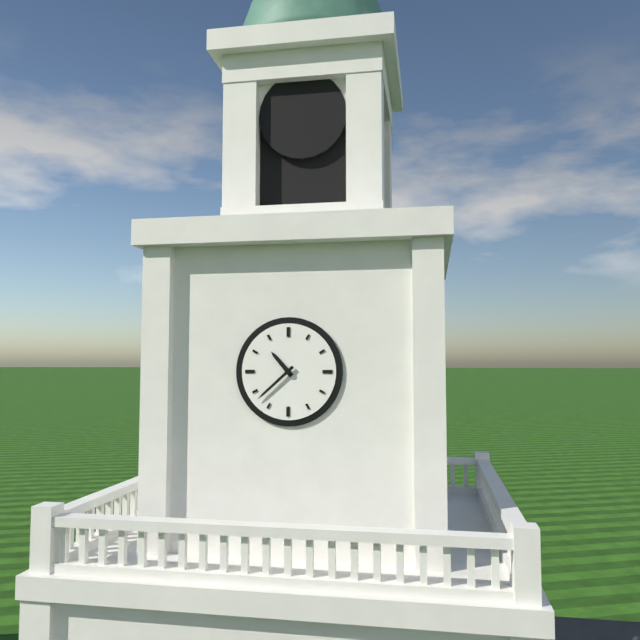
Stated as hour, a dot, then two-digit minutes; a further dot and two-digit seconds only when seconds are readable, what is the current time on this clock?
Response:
10.38
